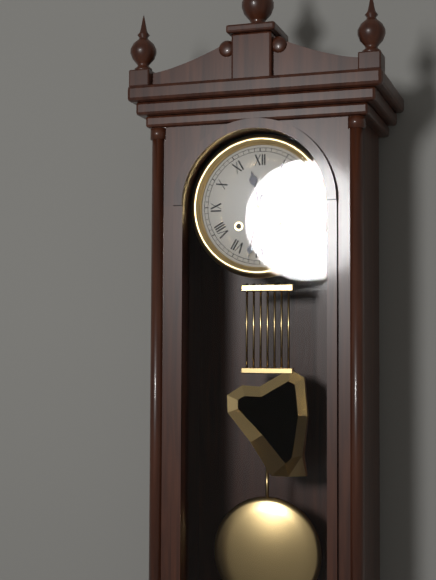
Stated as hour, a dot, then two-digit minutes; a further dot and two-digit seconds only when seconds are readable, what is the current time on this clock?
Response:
11.32
